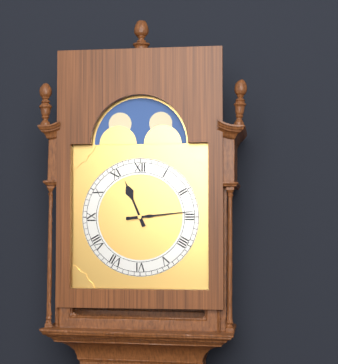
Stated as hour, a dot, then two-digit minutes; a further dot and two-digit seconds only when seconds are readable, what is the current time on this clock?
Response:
11.14
